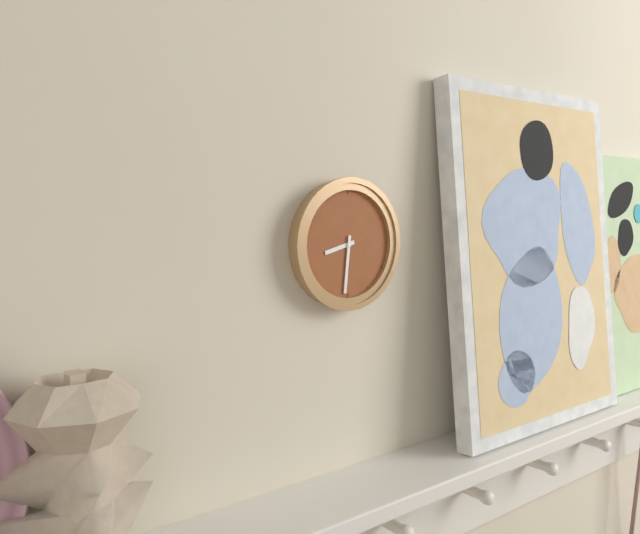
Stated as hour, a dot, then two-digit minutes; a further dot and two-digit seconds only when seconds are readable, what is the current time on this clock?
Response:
8.31
